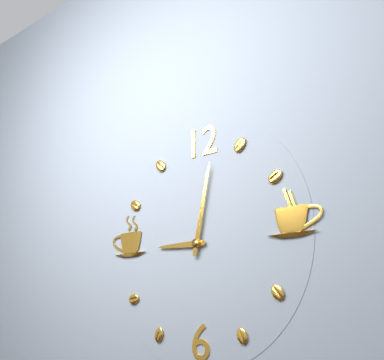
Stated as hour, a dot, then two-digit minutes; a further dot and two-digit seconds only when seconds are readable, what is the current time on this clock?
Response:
9.02
